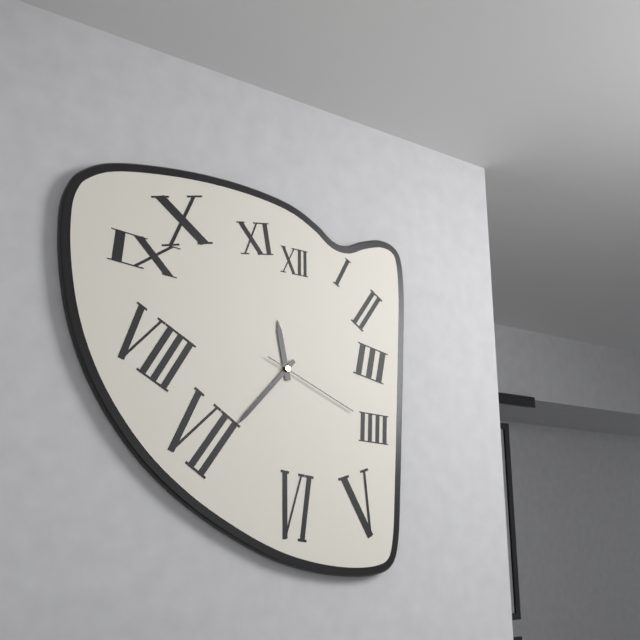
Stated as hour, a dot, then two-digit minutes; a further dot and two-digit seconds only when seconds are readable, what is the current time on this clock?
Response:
11.37.19
